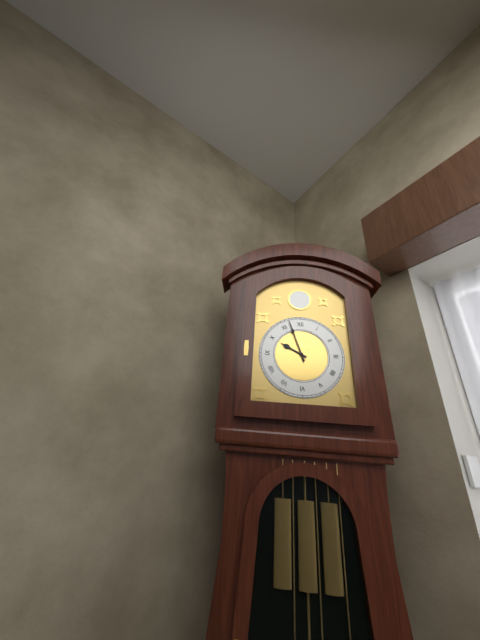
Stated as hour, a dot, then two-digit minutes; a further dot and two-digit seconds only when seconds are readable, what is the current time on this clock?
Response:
9.57
